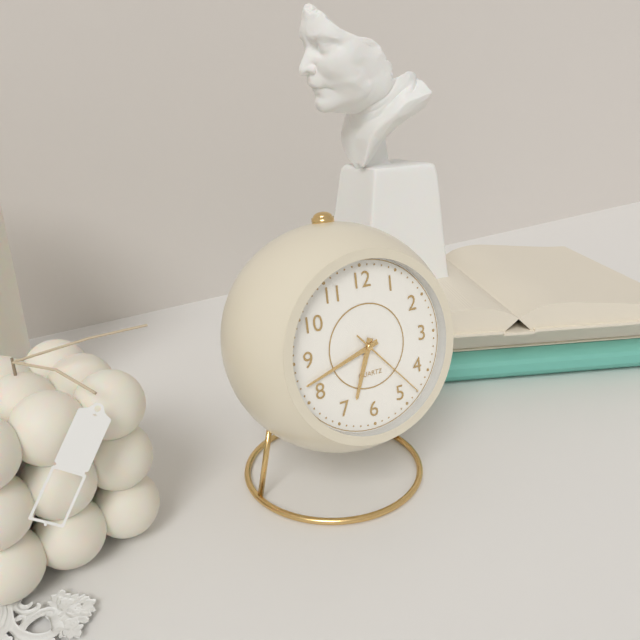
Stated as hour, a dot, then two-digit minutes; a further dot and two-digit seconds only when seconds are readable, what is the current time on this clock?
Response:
6.42.23
